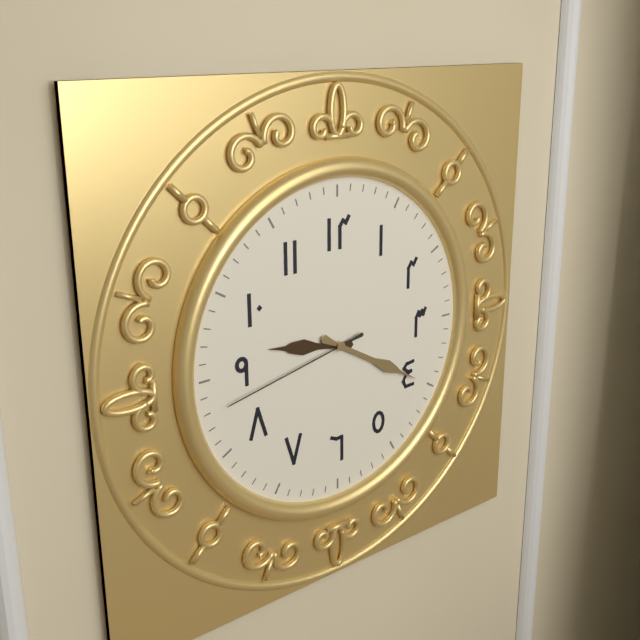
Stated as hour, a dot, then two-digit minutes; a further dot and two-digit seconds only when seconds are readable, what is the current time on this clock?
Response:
9.20.43
